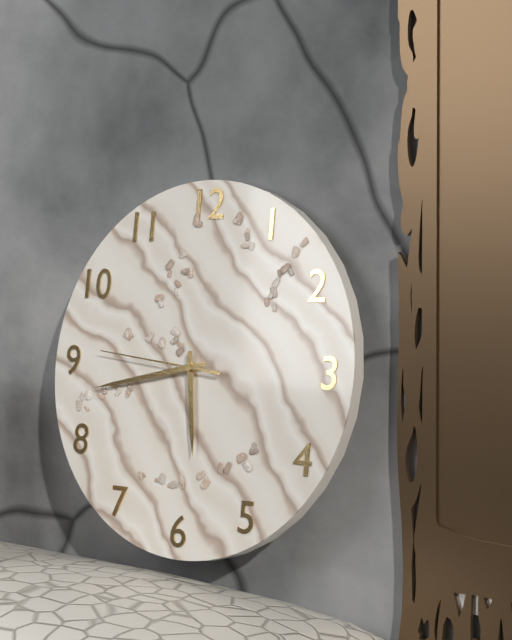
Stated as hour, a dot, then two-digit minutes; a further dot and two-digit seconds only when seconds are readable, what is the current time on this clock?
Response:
5.43.46
